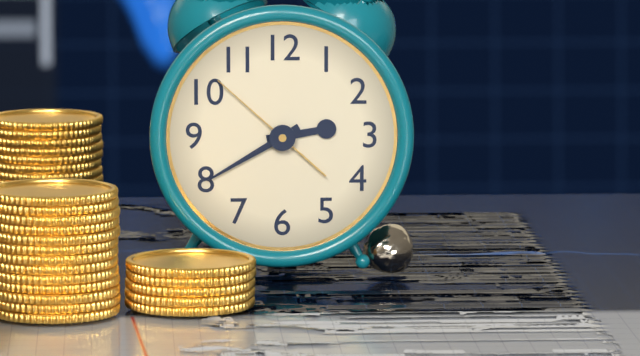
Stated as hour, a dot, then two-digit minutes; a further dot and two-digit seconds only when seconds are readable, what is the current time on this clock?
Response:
2.40.52
